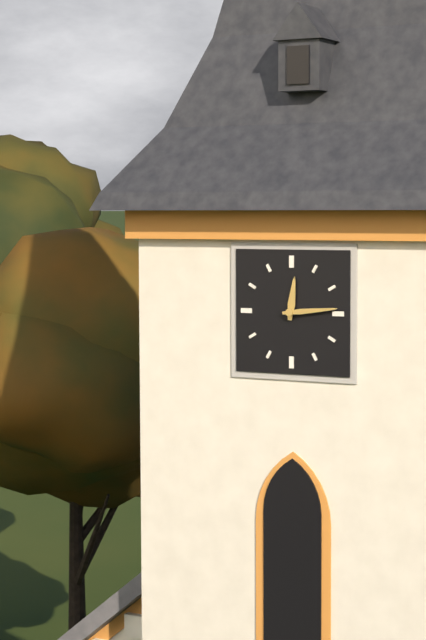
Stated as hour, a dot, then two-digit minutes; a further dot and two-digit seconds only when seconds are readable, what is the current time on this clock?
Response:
12.14
